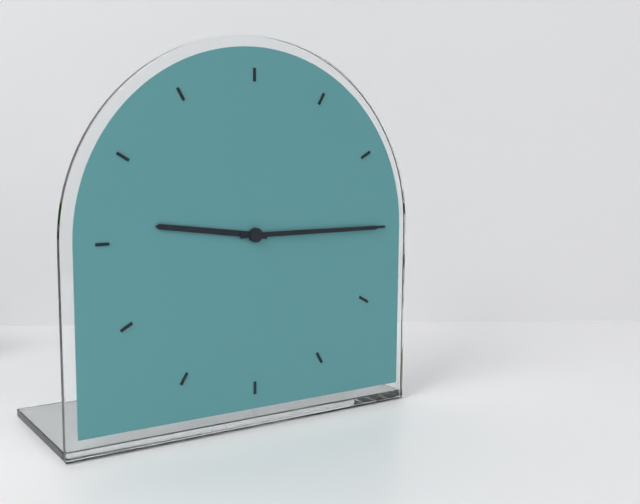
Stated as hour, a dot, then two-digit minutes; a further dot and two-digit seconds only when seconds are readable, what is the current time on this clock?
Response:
9.15
